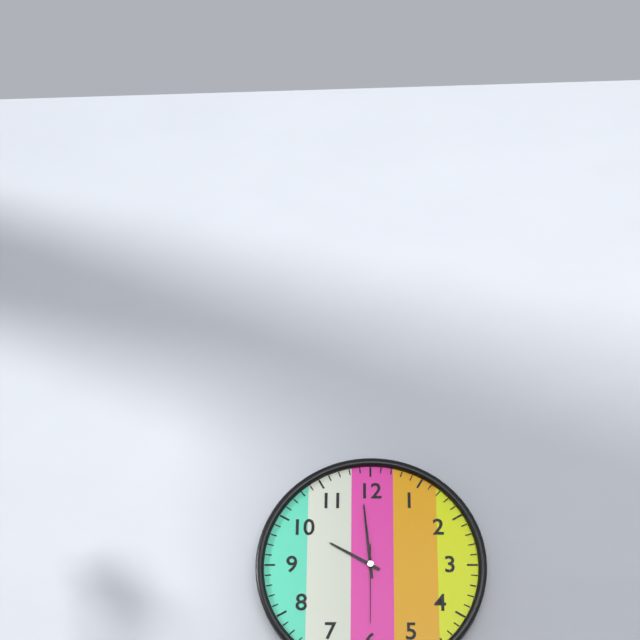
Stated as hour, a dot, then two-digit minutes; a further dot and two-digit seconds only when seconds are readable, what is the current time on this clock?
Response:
9.59.30
